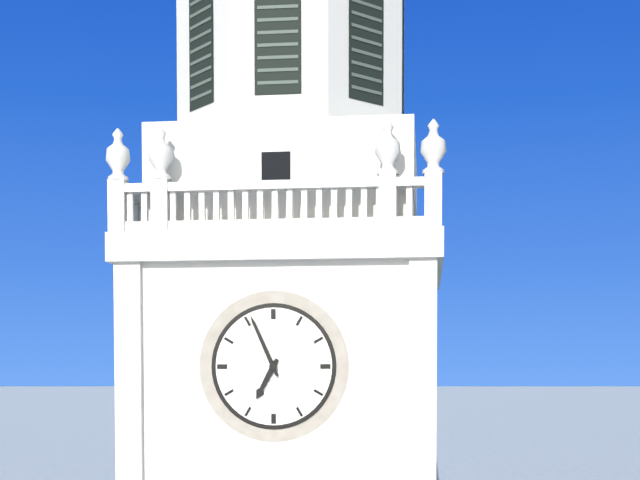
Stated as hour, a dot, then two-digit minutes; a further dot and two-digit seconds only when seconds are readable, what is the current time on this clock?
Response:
6.56
